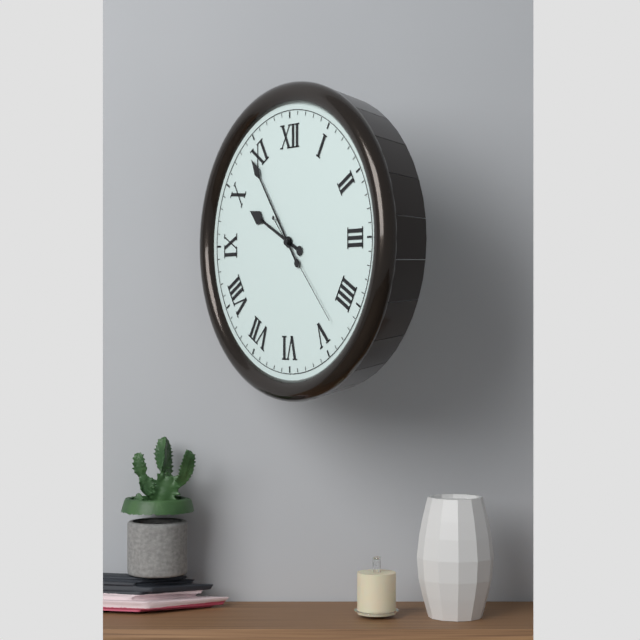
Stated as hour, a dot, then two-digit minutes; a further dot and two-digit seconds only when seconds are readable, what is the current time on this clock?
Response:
9.54.23
